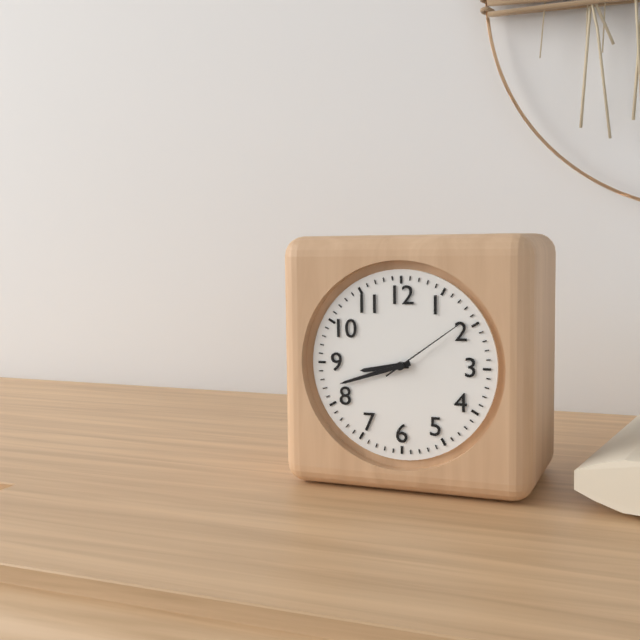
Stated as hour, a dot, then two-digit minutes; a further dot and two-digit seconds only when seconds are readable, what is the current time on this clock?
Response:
8.42.09
